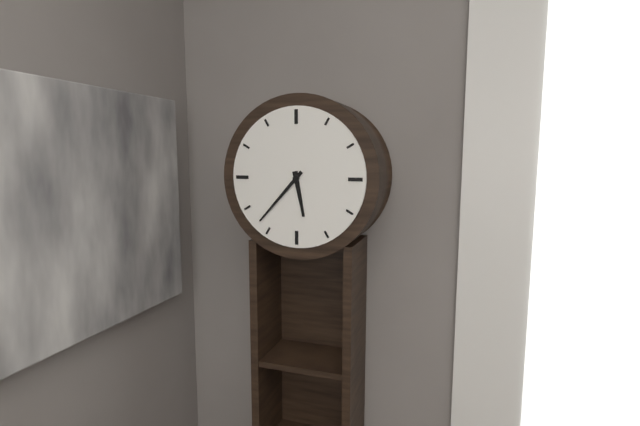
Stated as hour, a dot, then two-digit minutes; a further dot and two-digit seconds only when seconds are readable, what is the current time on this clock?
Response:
5.37
